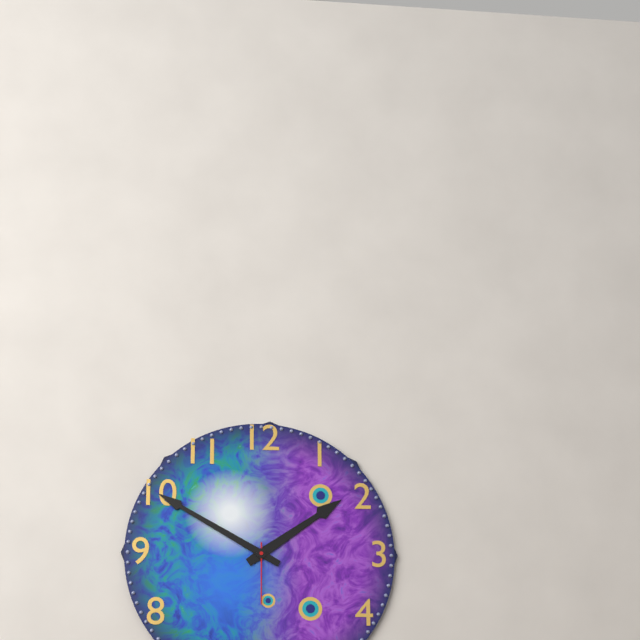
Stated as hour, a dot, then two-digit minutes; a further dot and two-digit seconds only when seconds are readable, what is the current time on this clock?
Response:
1.50.30
